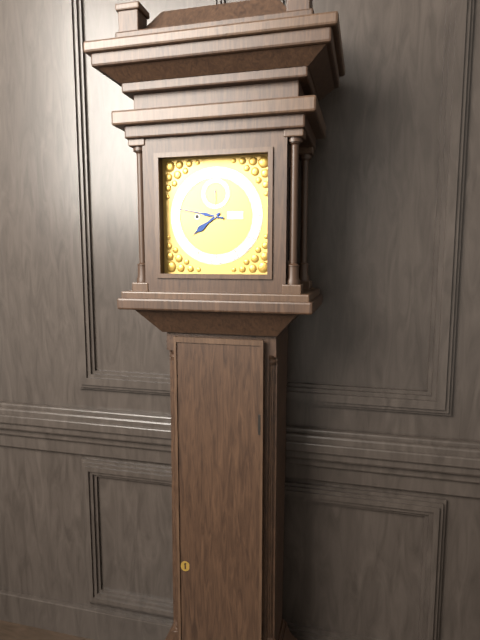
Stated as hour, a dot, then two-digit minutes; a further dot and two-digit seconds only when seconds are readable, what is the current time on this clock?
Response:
7.47
